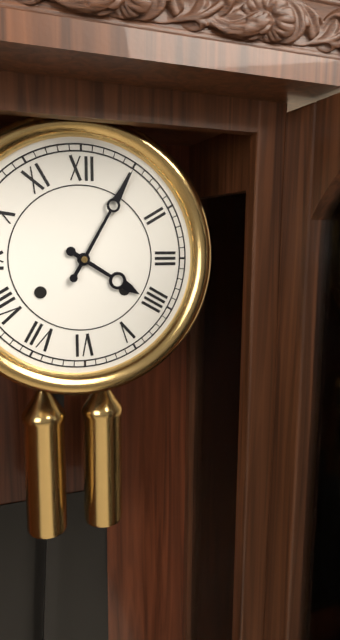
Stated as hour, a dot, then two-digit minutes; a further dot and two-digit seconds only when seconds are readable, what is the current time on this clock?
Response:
4.05
